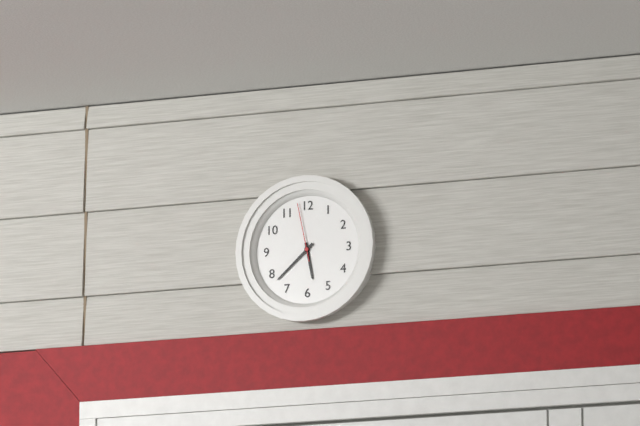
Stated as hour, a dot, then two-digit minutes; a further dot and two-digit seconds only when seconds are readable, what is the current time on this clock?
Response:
5.38.58
